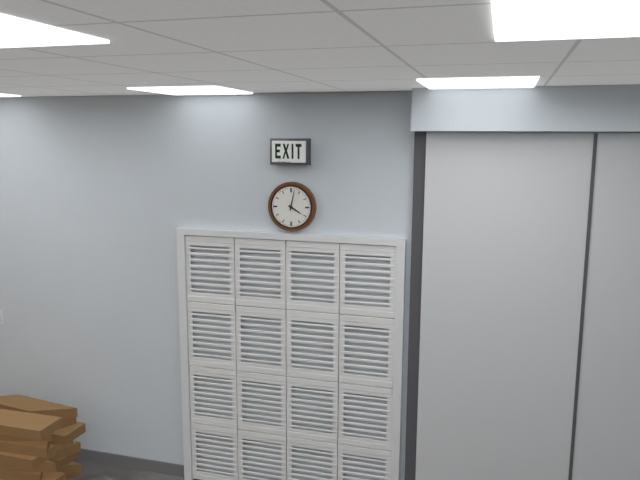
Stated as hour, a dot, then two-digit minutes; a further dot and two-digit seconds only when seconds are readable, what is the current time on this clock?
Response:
4.02
